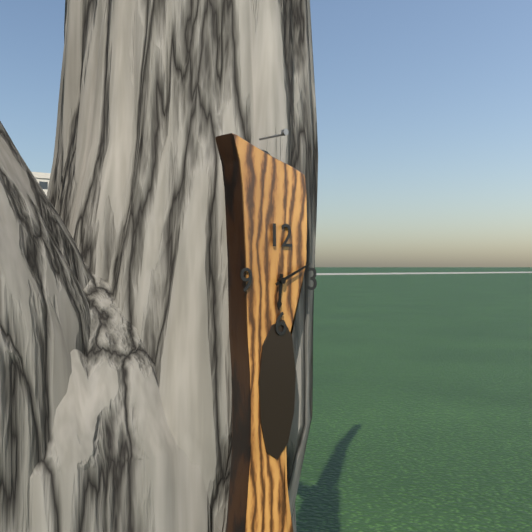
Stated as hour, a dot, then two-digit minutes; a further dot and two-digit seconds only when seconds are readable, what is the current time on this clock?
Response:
6.11
